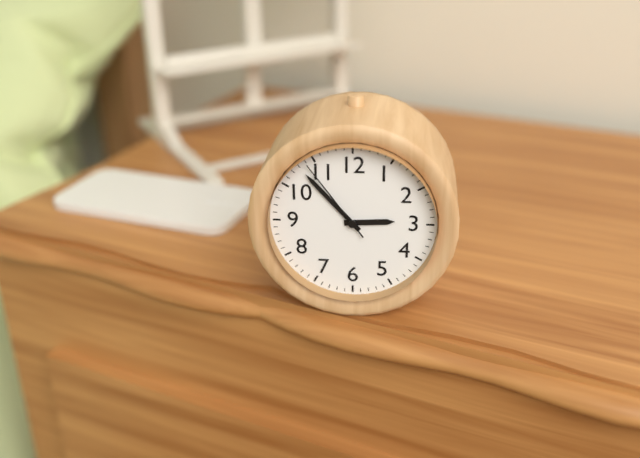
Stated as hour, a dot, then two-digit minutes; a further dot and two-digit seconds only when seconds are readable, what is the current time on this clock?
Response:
2.53.54
